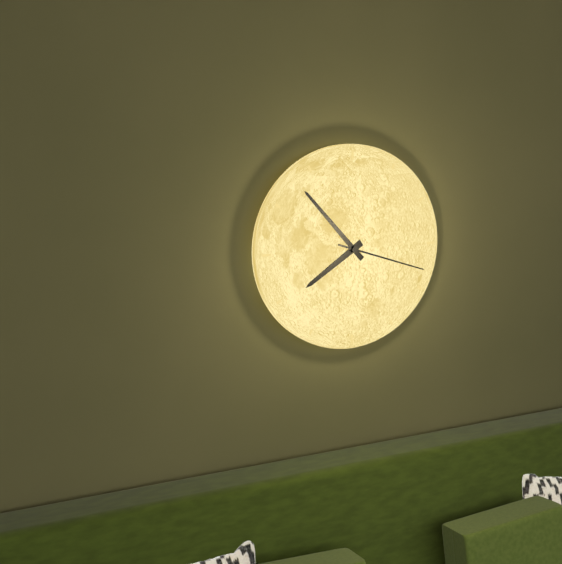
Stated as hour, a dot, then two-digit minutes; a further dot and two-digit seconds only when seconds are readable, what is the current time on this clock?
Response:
7.53.18
